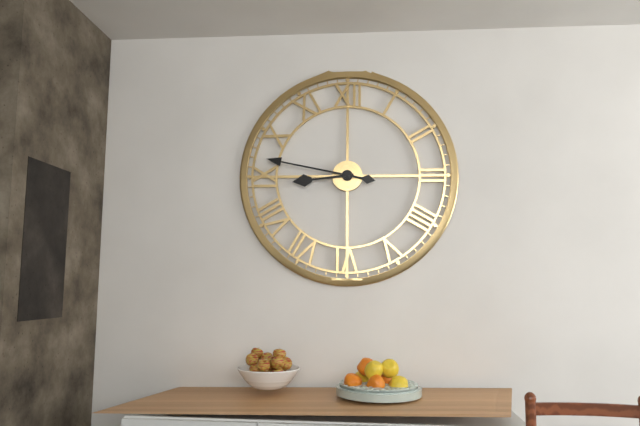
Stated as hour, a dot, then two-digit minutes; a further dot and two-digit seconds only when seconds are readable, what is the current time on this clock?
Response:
8.47
